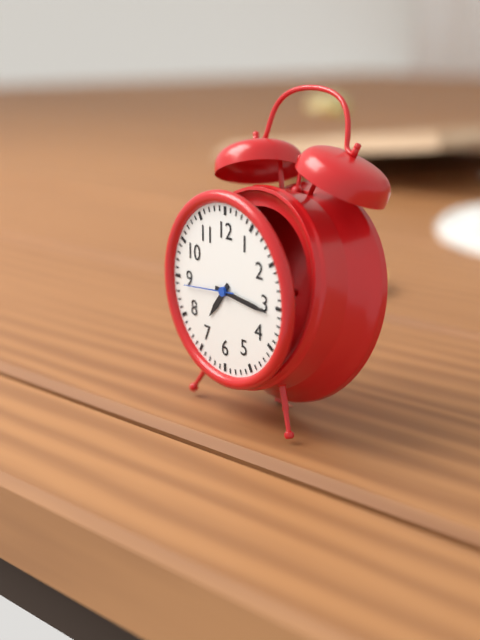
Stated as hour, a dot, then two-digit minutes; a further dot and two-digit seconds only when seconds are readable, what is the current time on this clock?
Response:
7.16.44
